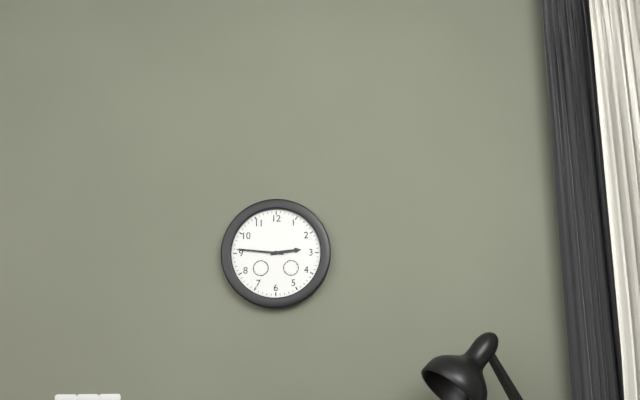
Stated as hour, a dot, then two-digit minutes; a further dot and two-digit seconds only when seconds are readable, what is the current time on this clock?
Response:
2.46
